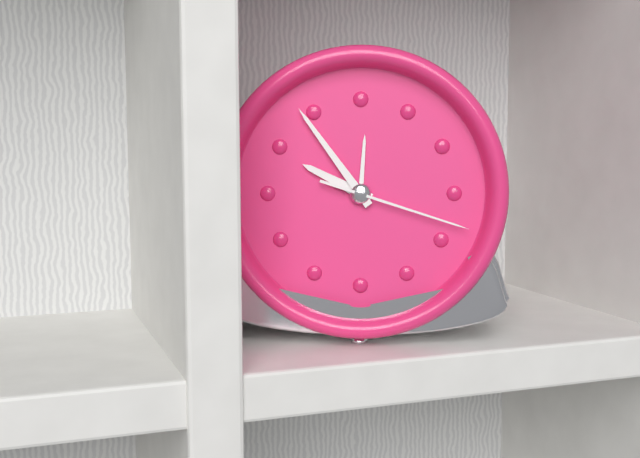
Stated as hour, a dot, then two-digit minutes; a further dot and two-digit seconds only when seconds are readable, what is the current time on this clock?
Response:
9.54.18
